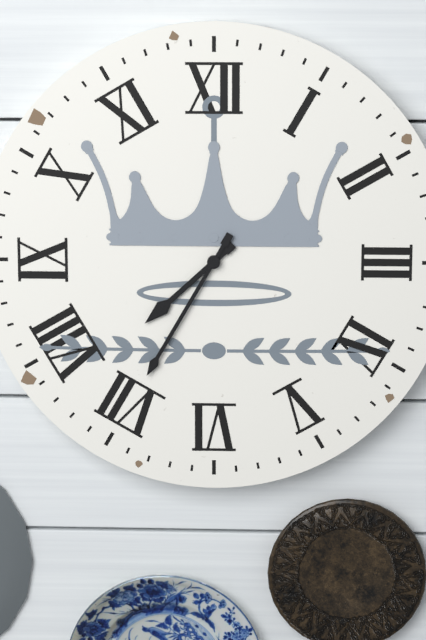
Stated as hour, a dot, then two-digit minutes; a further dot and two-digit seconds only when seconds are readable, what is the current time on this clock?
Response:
7.35
